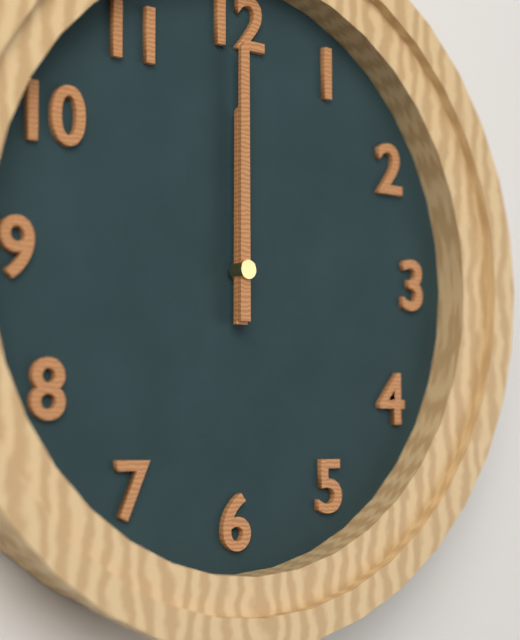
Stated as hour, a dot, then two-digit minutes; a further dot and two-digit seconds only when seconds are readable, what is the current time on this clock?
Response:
12.00
